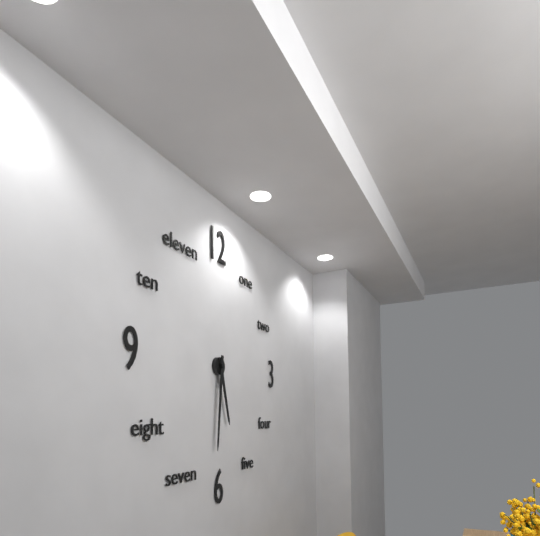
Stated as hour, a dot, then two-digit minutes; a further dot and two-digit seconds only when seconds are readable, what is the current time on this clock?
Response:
5.31
